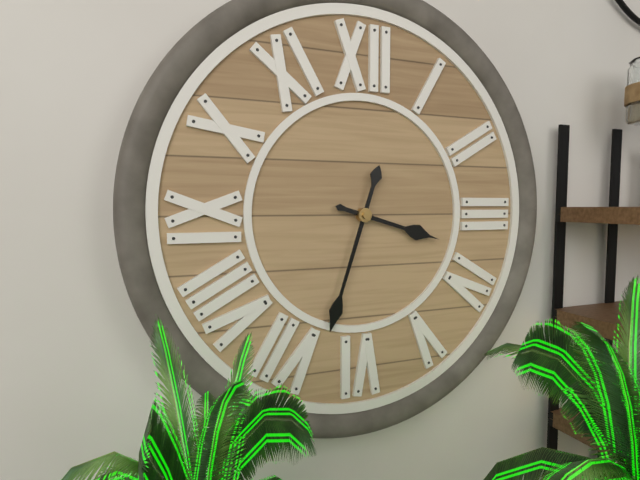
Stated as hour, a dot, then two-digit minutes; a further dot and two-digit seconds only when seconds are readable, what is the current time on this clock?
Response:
3.33
